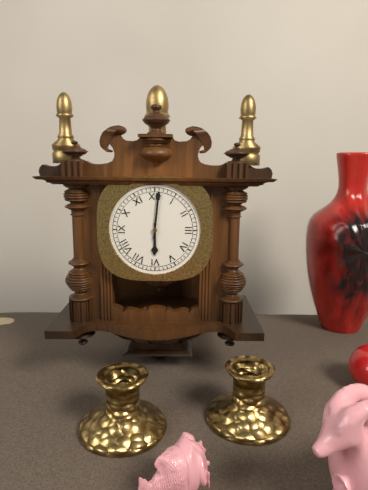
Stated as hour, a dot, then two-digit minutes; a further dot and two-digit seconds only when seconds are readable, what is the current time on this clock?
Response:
6.01
